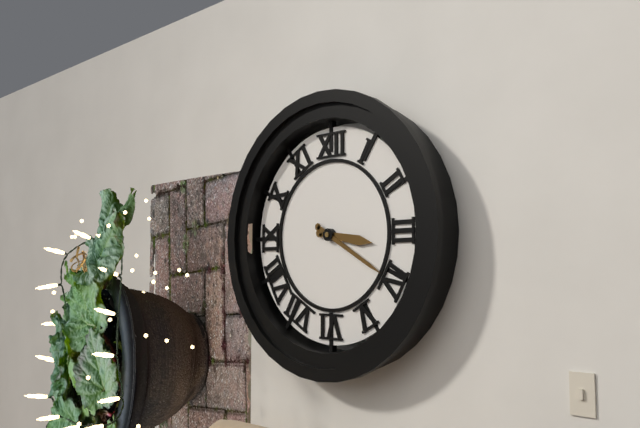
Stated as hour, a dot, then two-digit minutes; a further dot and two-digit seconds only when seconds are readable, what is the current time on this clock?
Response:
3.20
